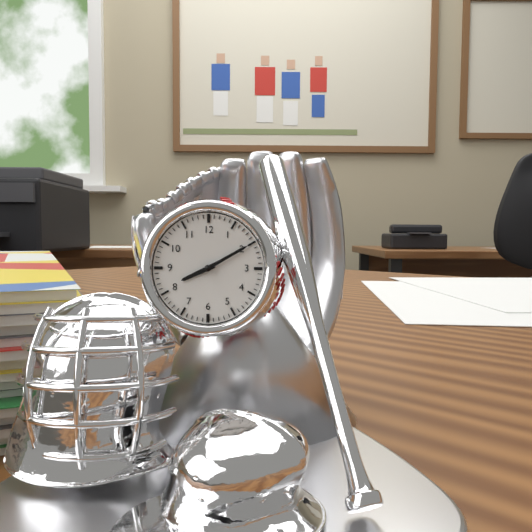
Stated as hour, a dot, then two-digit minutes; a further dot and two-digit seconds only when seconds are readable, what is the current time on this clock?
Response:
8.10
